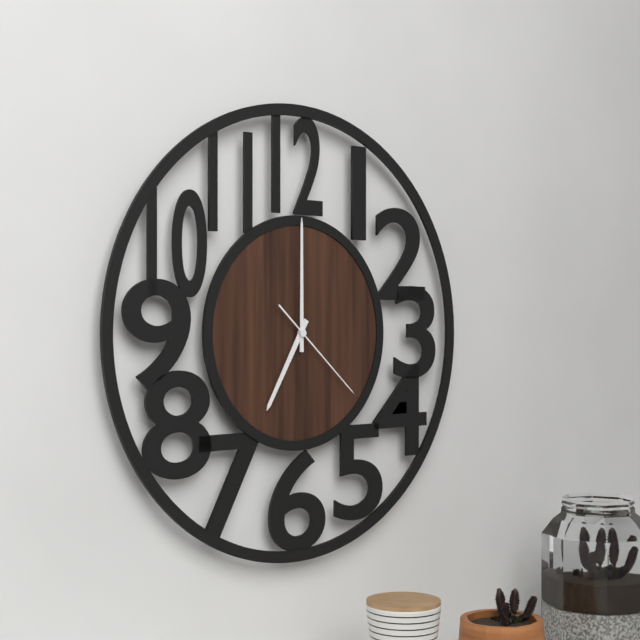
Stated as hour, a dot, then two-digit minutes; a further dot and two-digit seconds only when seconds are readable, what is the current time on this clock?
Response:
7.00.22
